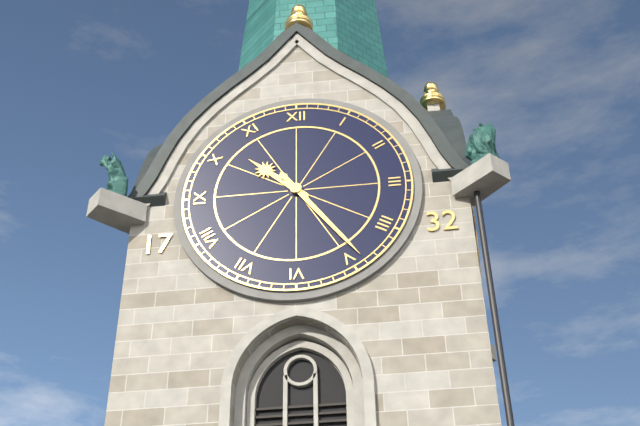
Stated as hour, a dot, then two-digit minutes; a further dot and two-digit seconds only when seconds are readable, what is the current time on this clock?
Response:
10.24
